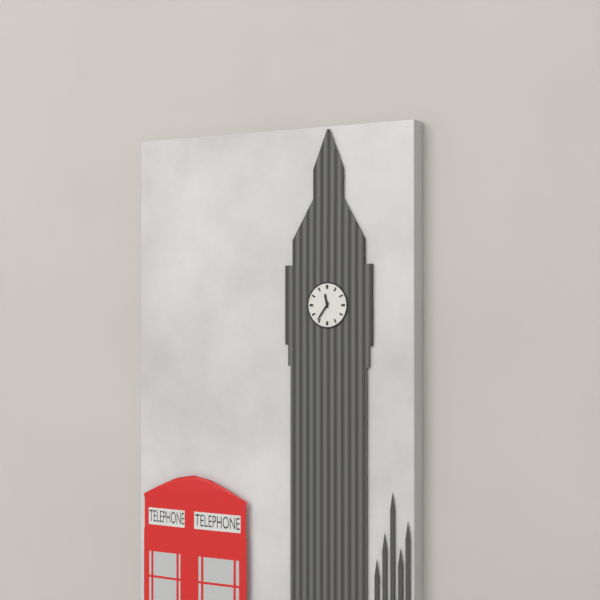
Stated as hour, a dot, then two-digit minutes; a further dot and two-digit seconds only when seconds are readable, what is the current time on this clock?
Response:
11.36
